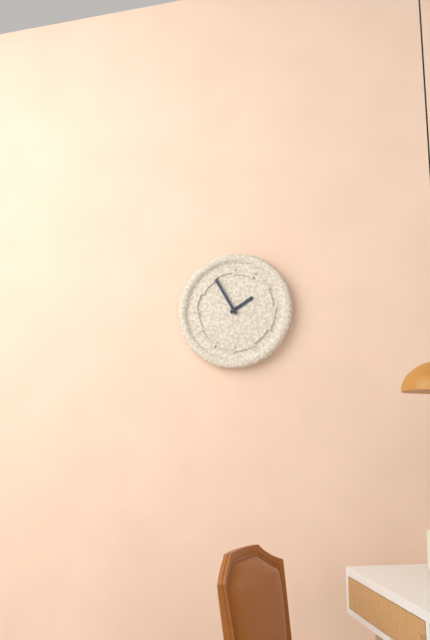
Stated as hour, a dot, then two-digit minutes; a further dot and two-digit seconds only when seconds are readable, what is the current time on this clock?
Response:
1.55
